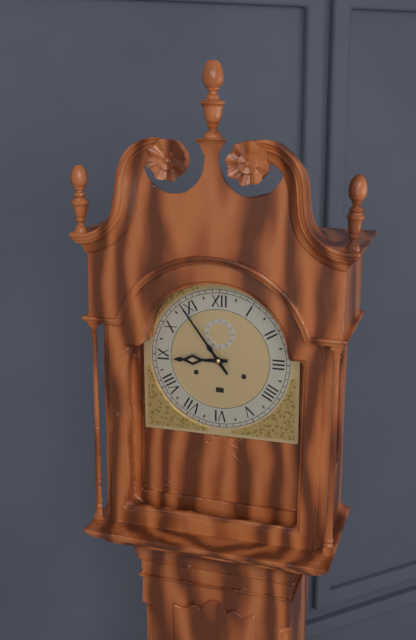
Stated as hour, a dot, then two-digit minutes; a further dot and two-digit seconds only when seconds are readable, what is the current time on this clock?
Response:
8.54
